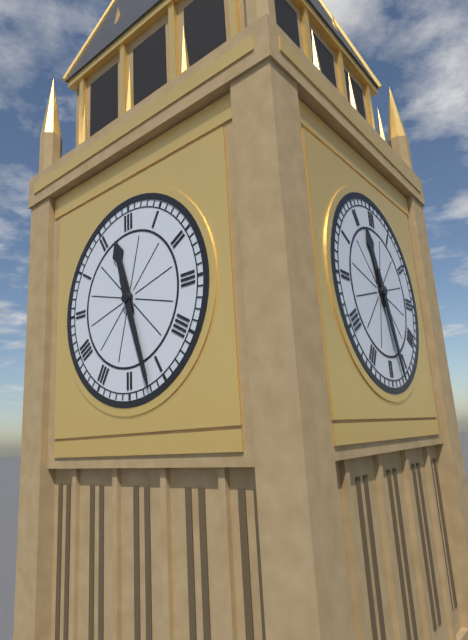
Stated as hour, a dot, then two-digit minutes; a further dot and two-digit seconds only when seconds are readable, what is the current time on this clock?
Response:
11.27
